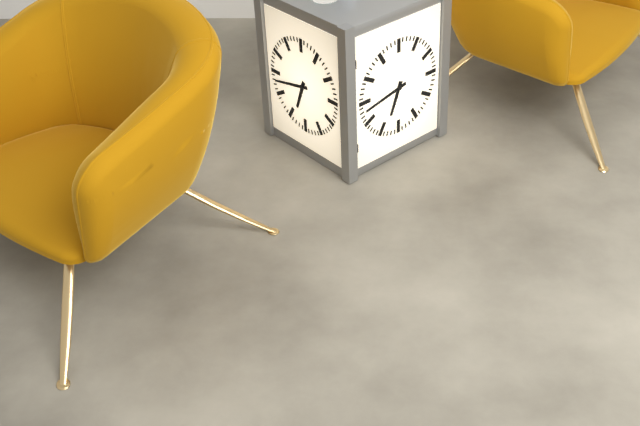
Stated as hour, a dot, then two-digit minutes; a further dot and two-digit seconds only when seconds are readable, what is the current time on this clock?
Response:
6.43
